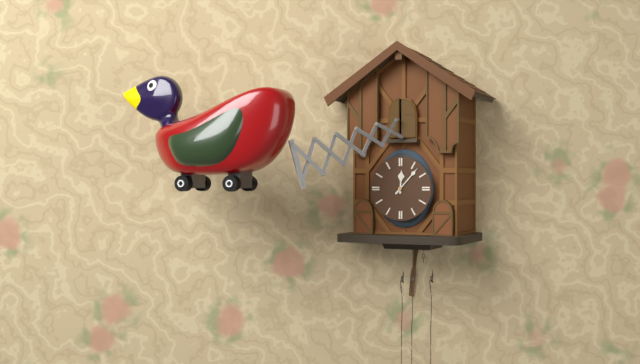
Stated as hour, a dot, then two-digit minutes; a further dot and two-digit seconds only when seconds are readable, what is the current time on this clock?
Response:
12.07
